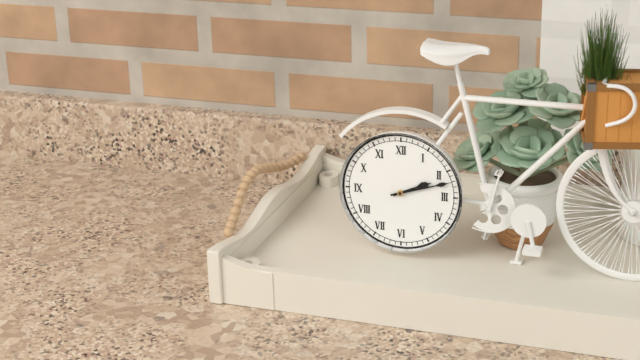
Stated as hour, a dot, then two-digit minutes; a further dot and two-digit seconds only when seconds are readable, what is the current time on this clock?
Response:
2.12
